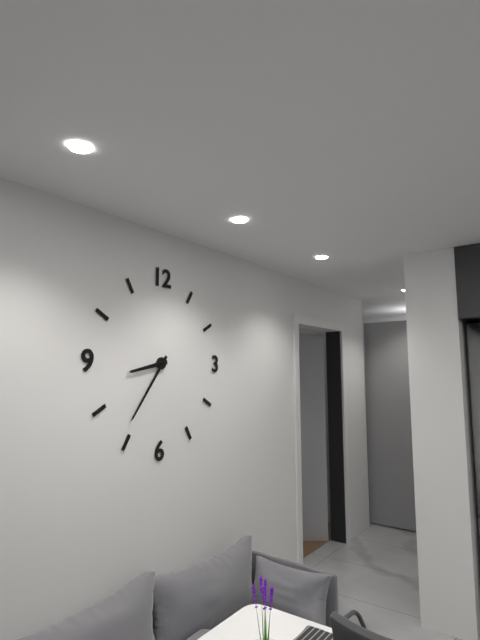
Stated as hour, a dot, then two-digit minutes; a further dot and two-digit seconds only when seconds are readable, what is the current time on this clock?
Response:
8.36
